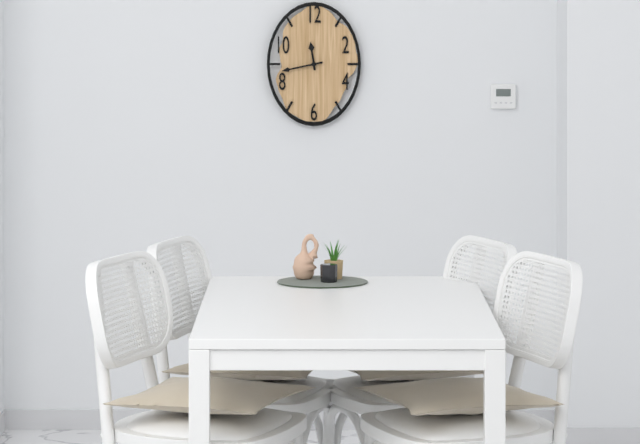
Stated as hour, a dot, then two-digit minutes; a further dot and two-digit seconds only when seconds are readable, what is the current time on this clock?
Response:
11.43
